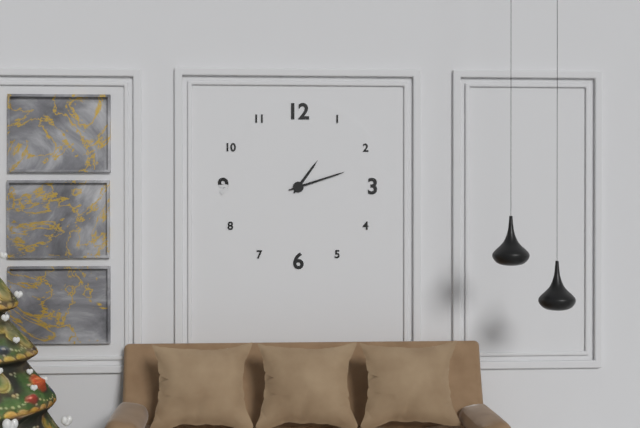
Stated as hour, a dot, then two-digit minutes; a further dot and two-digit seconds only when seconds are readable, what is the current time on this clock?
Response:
1.12
